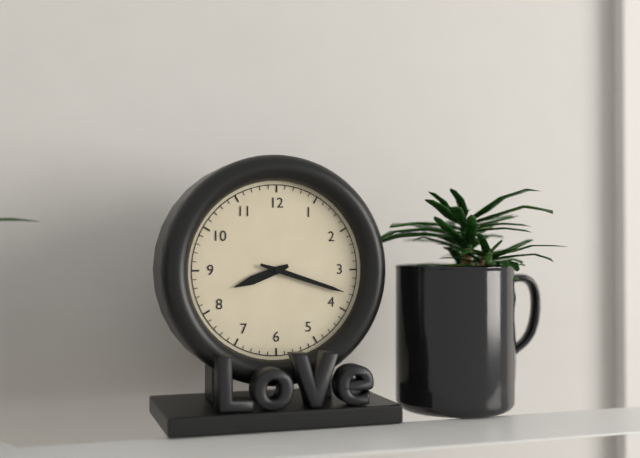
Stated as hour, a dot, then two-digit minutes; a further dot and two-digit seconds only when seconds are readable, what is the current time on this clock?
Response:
8.18
